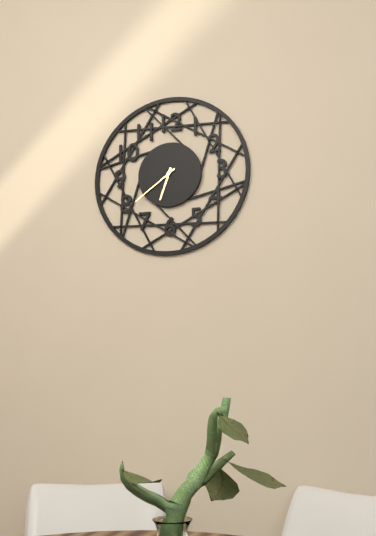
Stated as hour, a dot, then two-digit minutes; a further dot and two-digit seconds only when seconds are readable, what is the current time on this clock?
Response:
6.39
